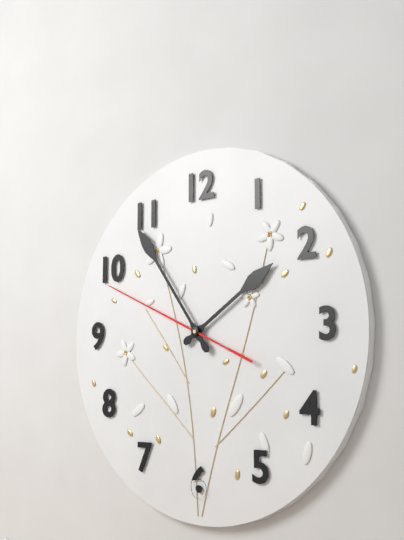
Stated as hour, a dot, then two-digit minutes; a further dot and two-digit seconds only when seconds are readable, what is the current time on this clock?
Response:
1.54.49
